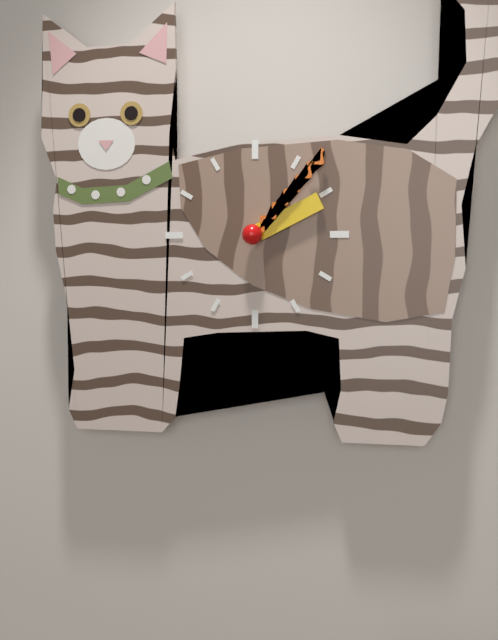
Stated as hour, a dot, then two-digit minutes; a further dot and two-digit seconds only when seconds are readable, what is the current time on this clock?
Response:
2.07
